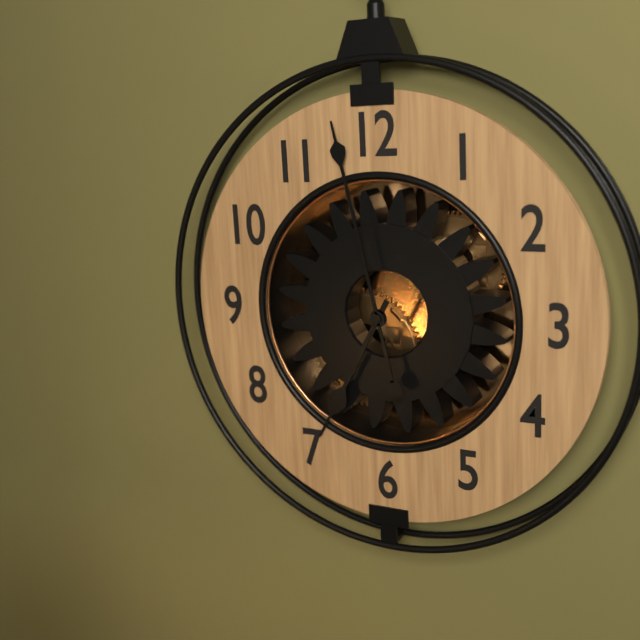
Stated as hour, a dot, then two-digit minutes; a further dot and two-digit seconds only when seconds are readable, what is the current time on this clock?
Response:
6.58
